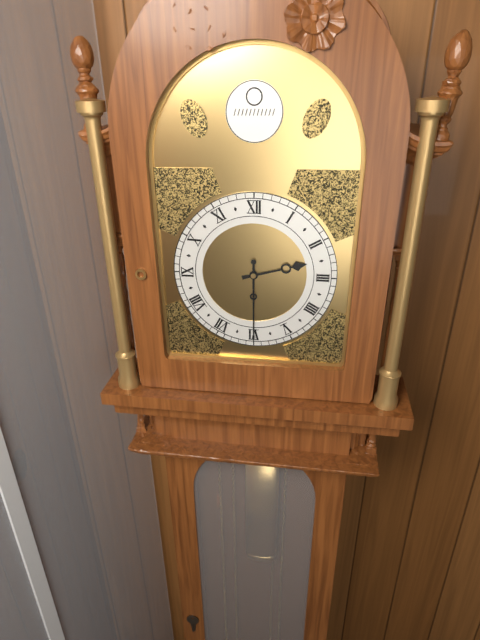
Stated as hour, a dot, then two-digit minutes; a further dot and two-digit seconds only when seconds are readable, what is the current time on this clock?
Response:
2.30
